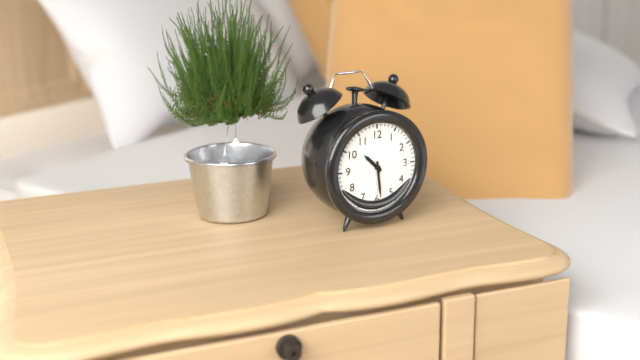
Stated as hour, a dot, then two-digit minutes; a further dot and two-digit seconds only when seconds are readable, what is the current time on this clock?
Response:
10.29
